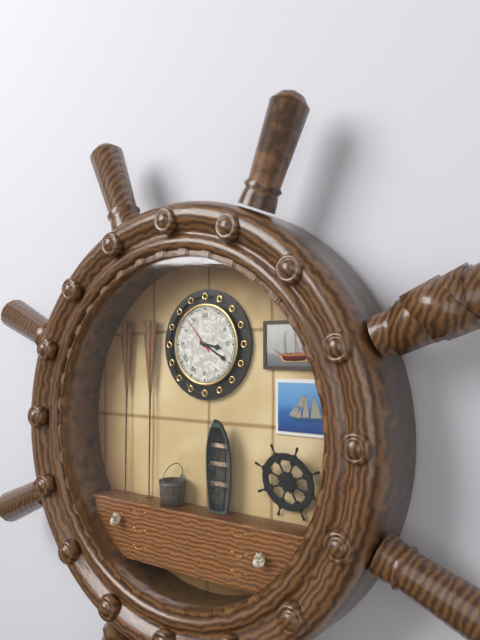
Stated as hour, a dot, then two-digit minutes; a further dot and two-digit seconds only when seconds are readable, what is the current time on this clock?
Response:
3.20
